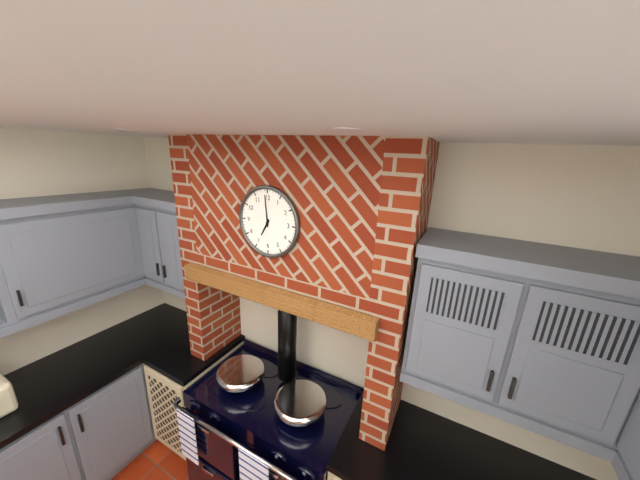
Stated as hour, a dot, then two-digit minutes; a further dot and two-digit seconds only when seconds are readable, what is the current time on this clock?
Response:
6.59
